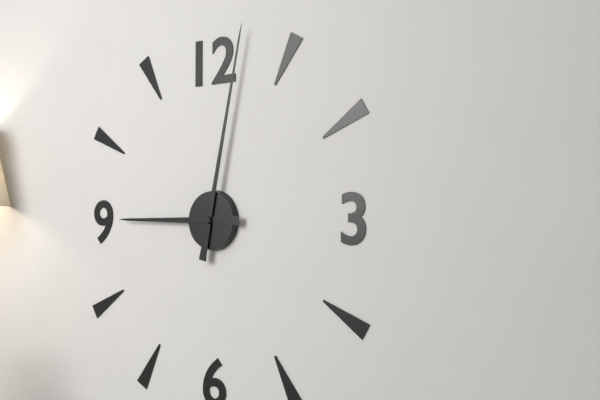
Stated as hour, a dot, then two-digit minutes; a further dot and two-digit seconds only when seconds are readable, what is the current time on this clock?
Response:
9.02
